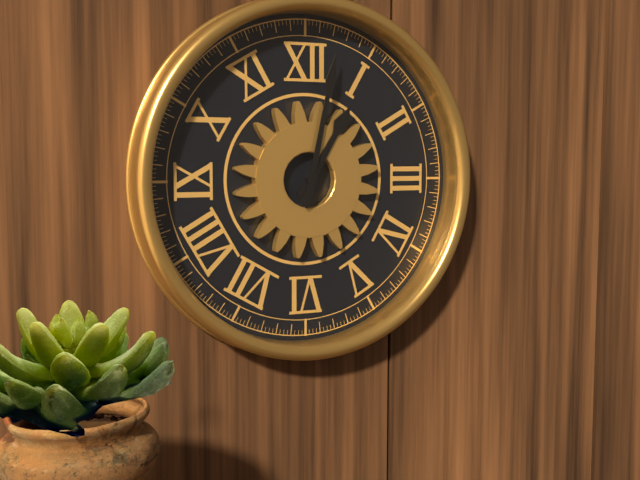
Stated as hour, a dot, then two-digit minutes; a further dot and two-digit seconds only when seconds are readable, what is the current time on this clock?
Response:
1.02
